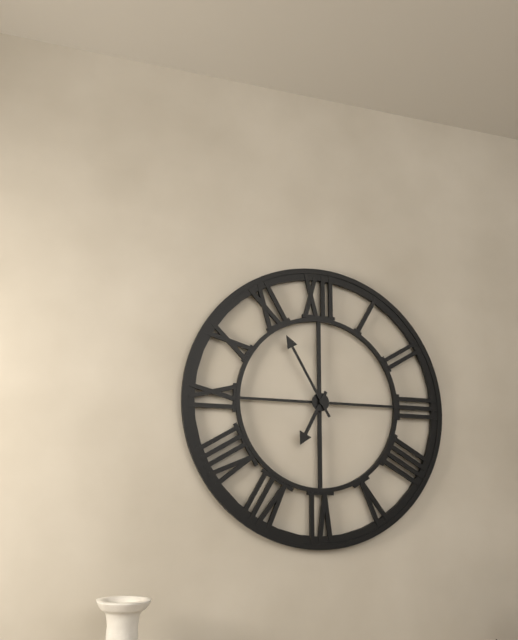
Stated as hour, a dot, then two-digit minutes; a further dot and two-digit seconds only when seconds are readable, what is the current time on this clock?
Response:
6.55
